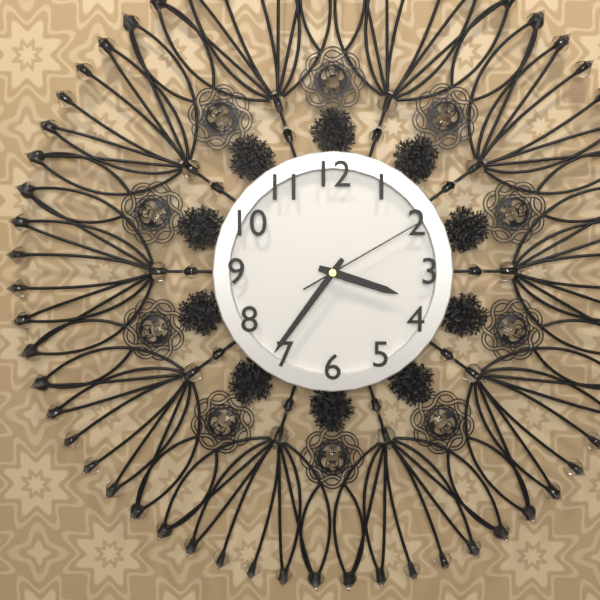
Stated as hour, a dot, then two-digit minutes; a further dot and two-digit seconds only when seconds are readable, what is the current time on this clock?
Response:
3.36.10
